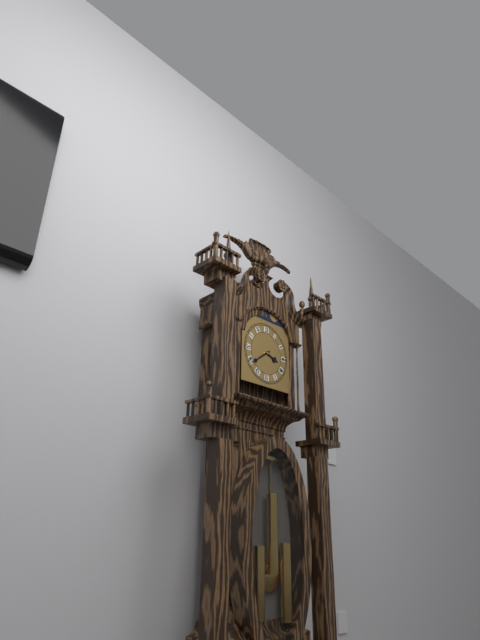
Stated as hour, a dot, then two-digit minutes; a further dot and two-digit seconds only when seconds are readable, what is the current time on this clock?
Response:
3.39
